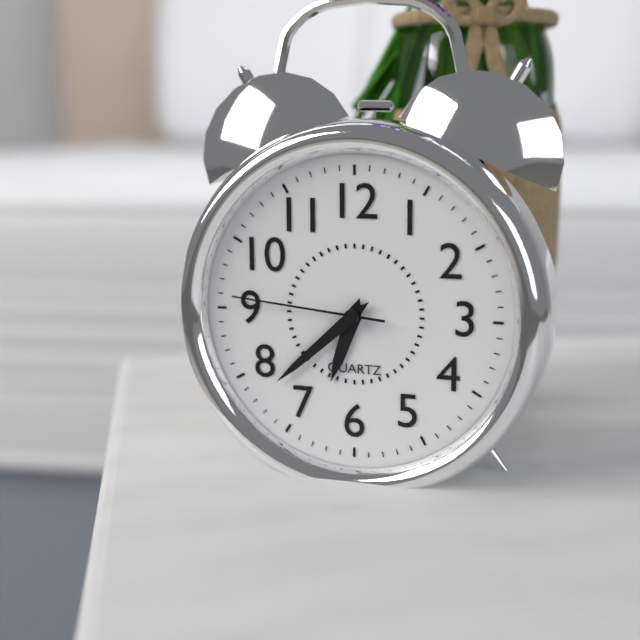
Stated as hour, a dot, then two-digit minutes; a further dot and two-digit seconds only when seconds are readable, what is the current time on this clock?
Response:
6.38.46
